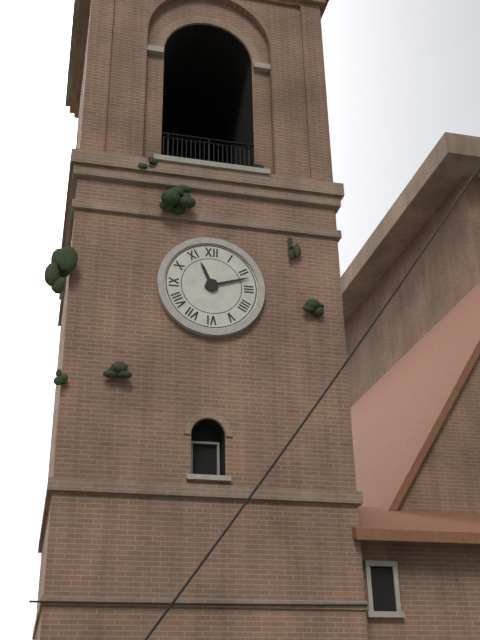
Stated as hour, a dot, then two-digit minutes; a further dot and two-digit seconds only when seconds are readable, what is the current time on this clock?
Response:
11.12
